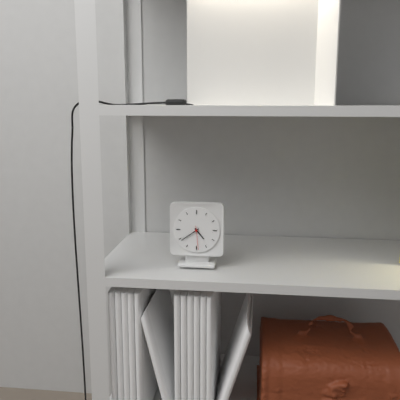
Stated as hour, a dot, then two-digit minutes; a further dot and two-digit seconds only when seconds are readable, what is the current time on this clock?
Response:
4.39
